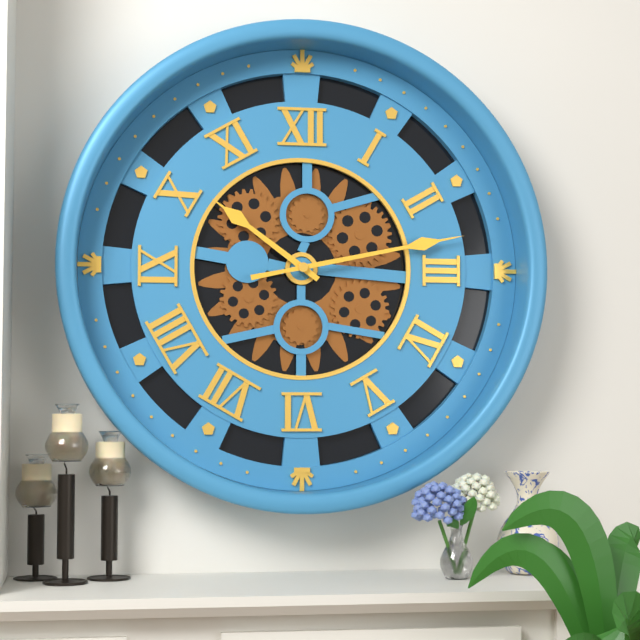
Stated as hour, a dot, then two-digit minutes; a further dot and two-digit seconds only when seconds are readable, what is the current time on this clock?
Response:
10.13
